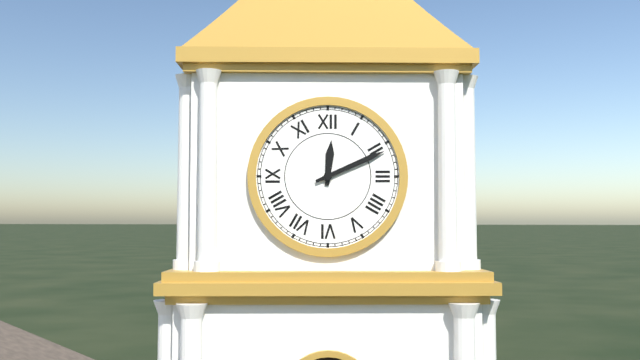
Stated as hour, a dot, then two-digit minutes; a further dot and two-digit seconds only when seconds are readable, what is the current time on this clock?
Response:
12.11
